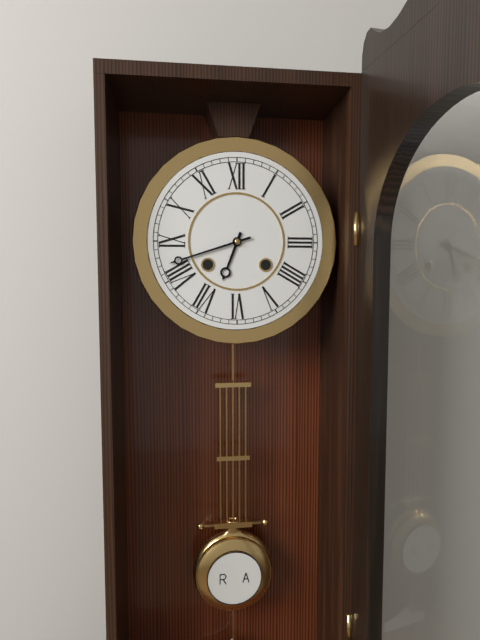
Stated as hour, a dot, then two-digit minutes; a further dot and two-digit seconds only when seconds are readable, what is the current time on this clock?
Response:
6.42
